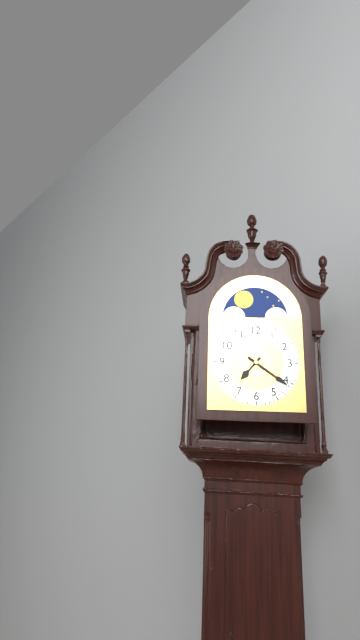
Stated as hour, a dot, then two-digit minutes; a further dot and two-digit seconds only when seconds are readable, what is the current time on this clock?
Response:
7.21
